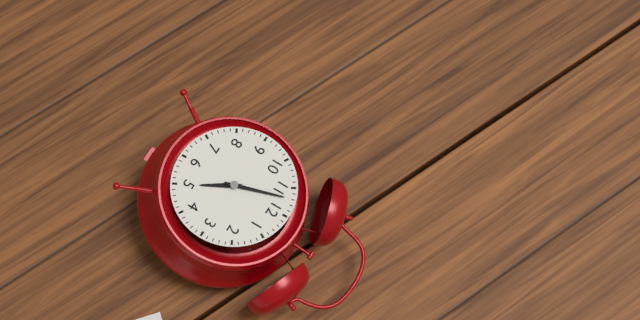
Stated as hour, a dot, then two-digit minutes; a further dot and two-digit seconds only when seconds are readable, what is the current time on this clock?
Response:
4.57
